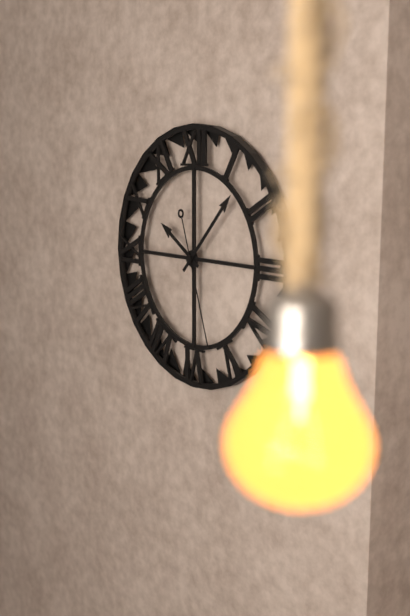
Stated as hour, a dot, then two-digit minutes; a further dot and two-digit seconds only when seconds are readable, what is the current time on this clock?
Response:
10.07.27
